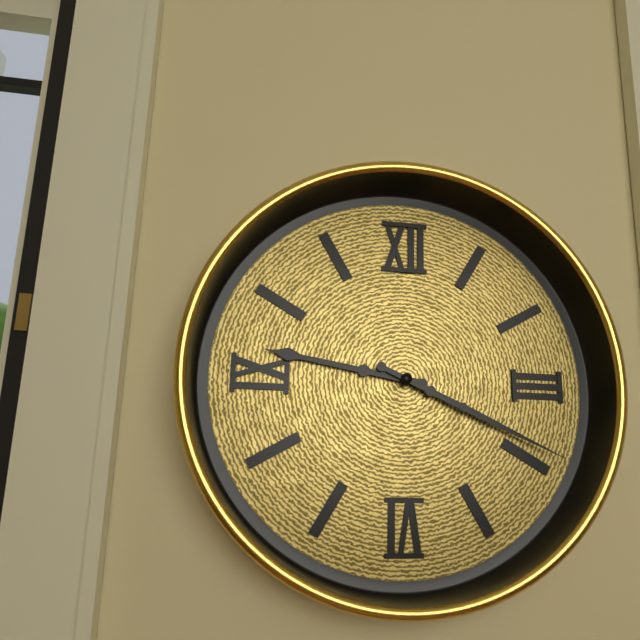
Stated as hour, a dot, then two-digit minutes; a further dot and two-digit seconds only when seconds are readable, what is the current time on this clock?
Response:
9.19
